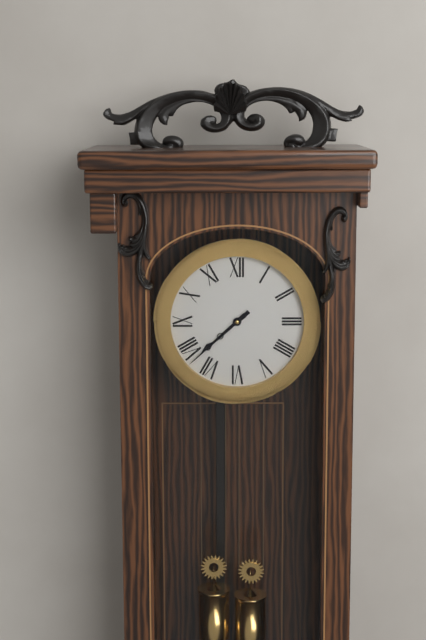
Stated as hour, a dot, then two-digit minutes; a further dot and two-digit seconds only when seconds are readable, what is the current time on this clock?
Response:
7.38
